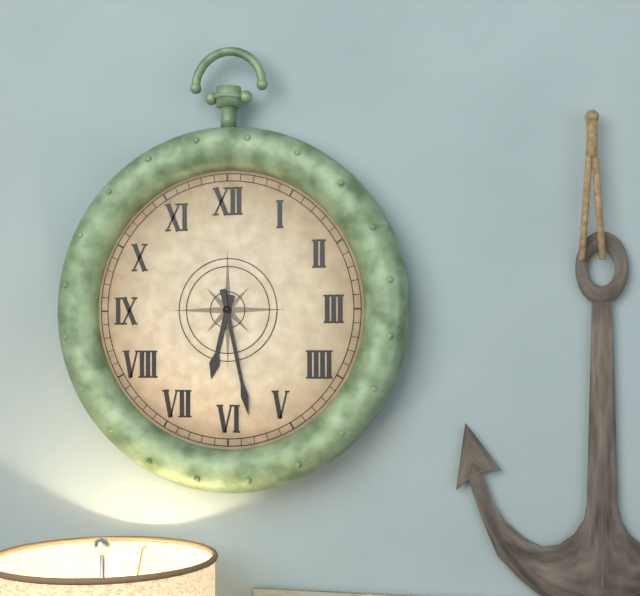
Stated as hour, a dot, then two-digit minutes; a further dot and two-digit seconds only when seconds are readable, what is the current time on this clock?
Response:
6.28
